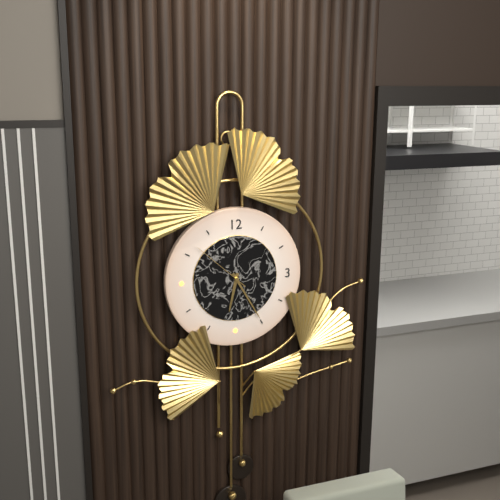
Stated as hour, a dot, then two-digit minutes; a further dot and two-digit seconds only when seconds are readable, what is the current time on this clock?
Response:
6.25.52
